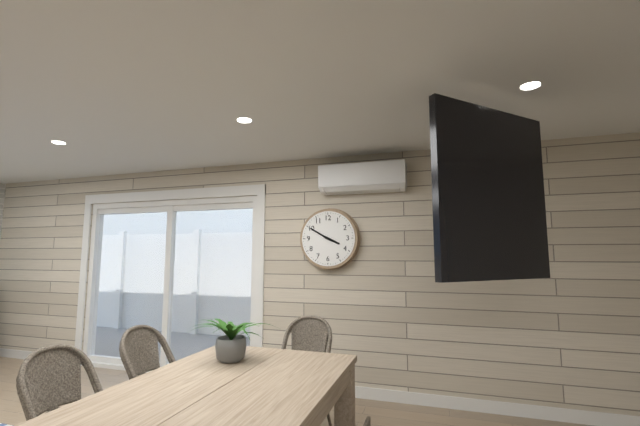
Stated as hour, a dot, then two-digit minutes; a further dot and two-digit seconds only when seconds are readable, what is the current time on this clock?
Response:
3.50
